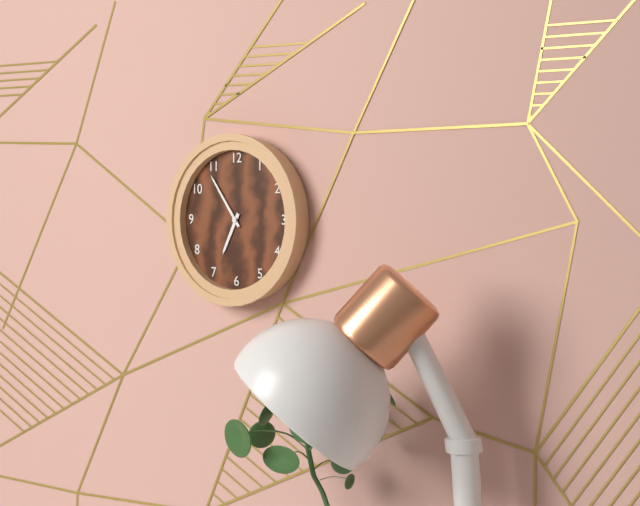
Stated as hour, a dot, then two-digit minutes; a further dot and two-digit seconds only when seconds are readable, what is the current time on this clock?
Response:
6.54
